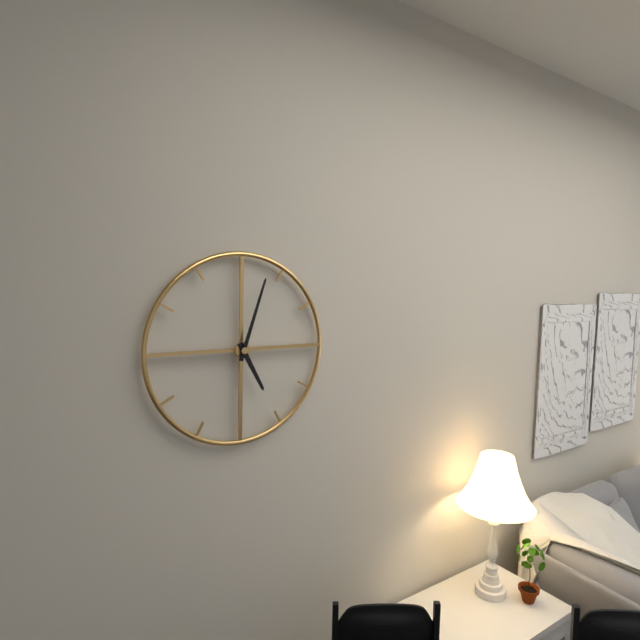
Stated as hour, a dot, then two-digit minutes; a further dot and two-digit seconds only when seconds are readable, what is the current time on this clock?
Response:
5.03
